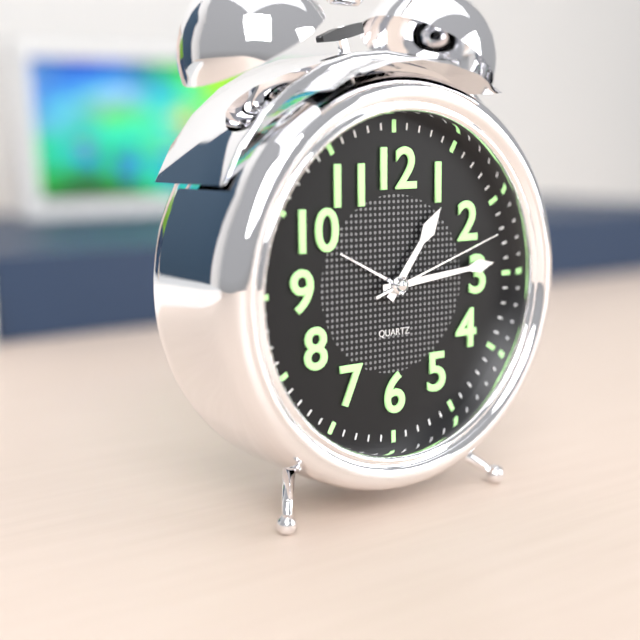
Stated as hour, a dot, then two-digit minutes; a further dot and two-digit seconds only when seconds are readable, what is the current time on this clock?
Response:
1.14.12
